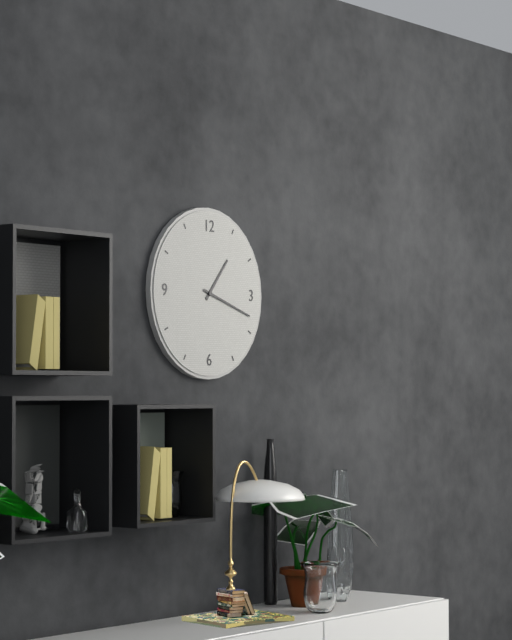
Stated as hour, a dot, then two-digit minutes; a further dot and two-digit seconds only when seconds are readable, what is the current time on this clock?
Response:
1.18
